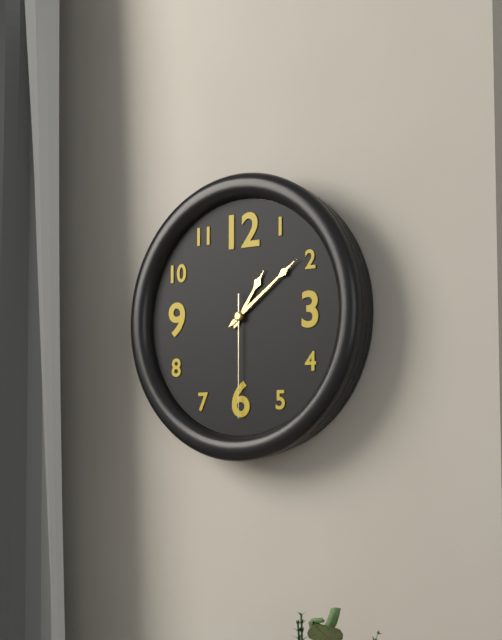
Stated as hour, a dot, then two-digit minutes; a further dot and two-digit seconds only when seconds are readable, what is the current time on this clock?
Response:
1.09.30
